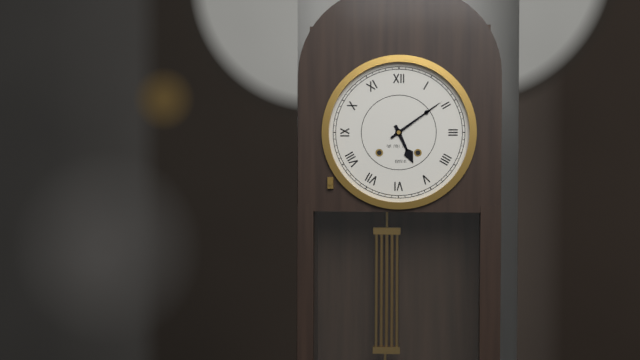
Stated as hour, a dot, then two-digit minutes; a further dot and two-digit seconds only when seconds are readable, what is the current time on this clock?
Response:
5.09
